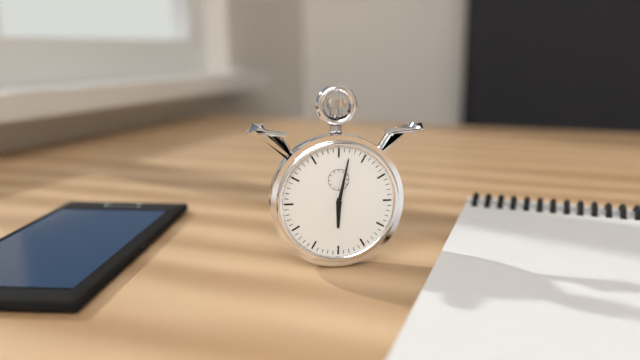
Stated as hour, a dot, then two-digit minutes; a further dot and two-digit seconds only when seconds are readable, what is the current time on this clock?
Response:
6.02
